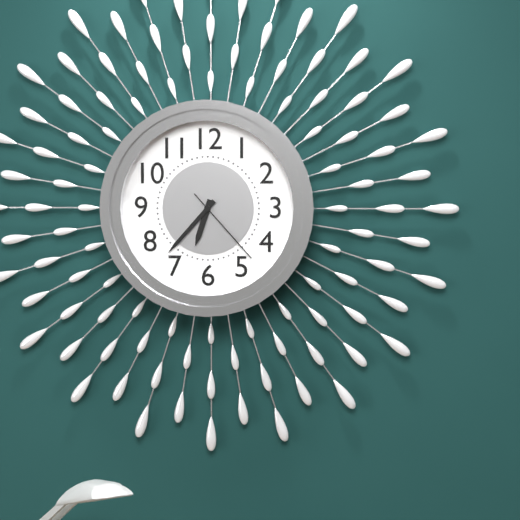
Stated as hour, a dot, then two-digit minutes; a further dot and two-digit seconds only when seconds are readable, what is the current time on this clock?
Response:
6.37.23
